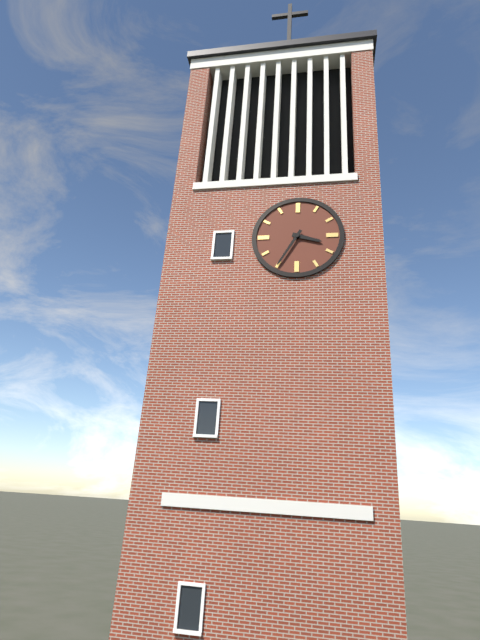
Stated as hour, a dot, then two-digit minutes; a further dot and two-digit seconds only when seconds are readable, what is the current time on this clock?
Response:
3.35
